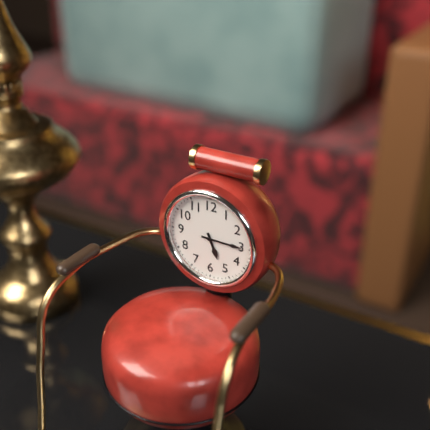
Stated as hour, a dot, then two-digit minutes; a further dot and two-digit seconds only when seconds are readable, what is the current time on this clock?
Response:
5.15
